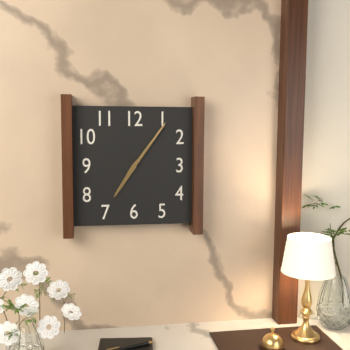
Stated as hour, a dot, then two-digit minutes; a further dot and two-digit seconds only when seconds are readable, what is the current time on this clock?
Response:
7.06
